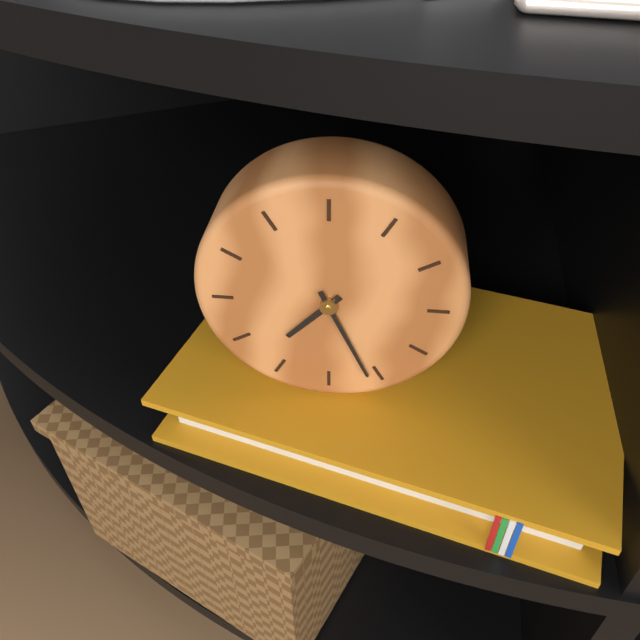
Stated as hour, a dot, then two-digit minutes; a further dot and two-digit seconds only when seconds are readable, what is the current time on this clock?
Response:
7.26
